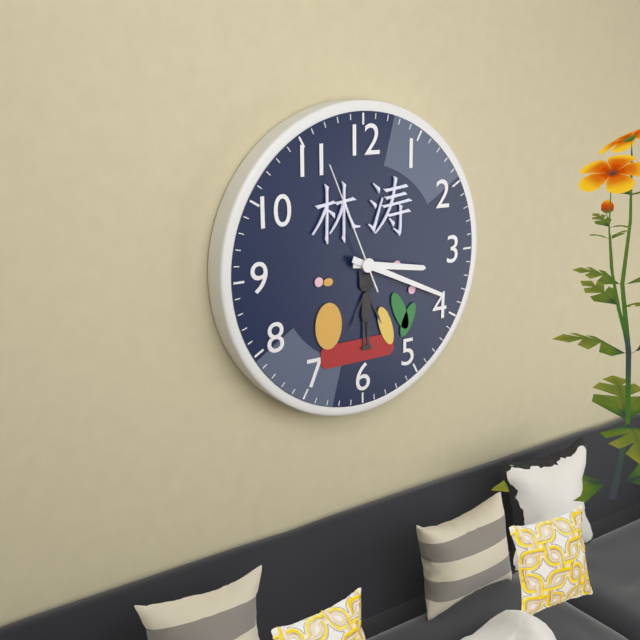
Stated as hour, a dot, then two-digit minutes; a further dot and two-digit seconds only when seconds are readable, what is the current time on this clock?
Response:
3.19.56
